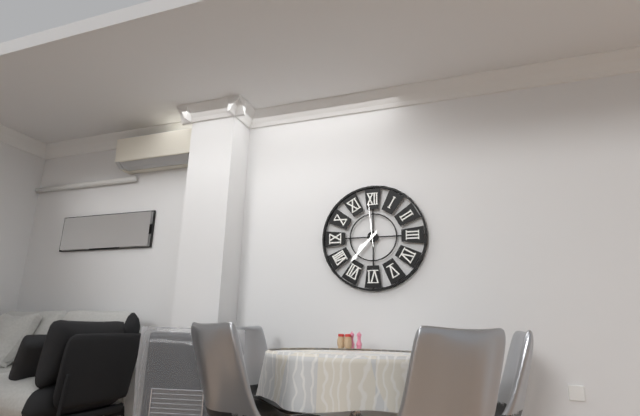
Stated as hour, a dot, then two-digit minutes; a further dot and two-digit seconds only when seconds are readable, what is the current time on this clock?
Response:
7.37
